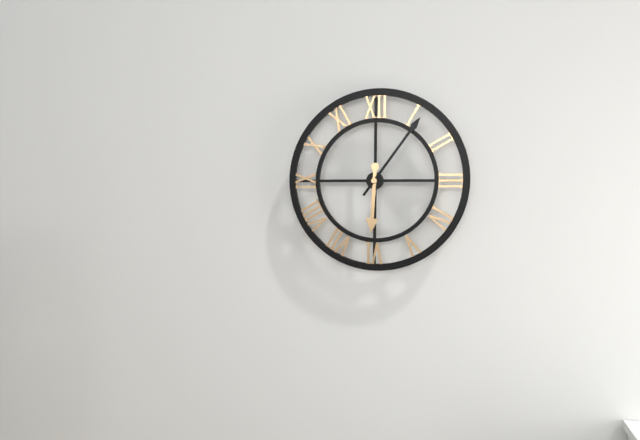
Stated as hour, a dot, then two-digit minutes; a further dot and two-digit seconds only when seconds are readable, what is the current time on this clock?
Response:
6.06
